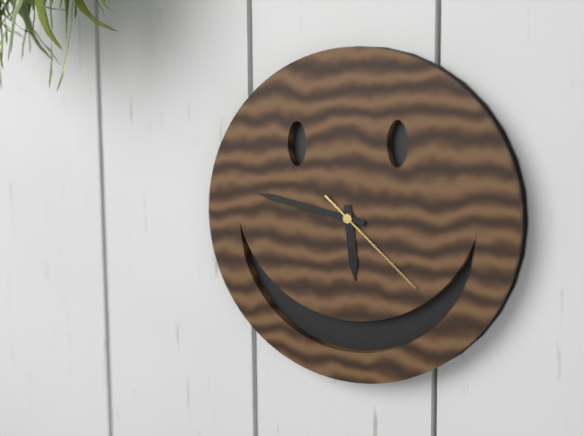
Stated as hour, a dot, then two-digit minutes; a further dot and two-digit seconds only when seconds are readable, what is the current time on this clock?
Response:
5.47.22
